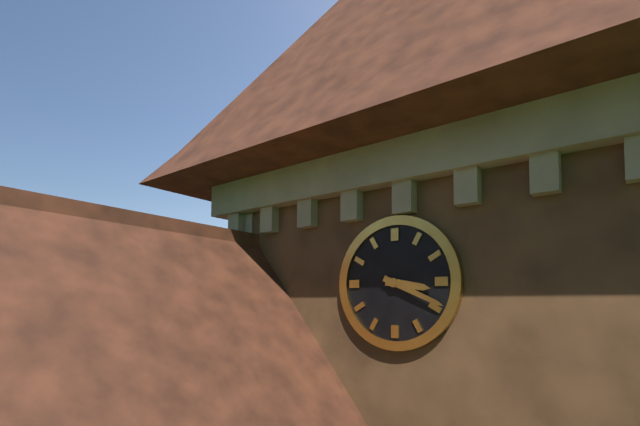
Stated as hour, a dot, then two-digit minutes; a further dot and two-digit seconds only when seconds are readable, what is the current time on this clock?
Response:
3.19
